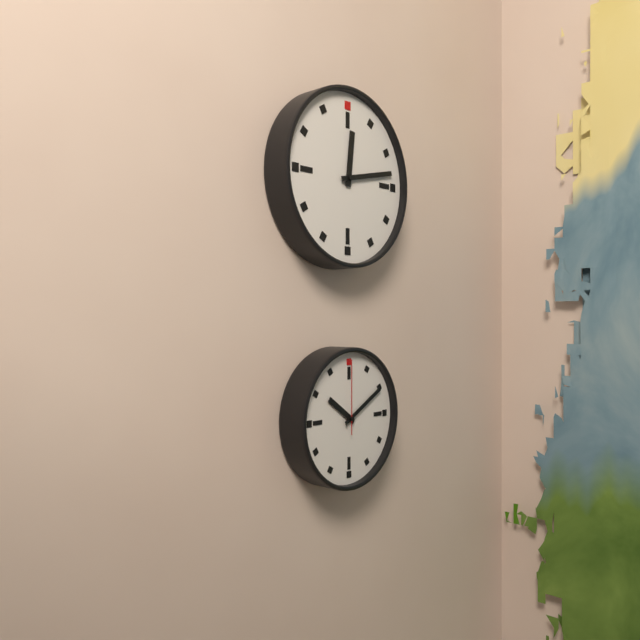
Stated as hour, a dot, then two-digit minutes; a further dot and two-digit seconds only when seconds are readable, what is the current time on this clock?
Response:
12.13
